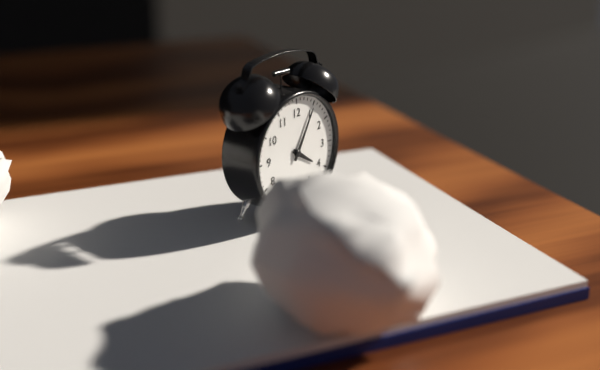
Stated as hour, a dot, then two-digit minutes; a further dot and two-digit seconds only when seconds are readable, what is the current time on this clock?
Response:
4.05
